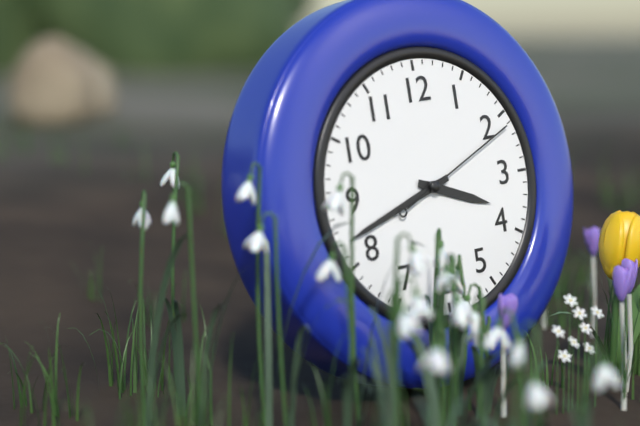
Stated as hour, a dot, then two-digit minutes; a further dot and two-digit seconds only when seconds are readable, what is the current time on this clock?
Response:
3.42.11
